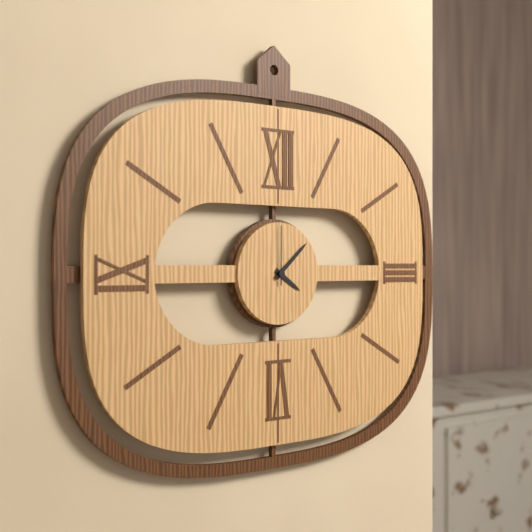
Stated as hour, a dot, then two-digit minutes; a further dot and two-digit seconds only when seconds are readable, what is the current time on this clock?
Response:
4.08.00
